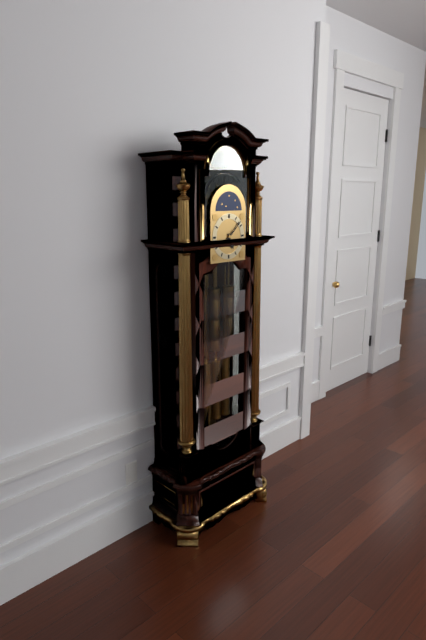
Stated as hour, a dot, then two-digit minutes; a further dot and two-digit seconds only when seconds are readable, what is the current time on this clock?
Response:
5.08
